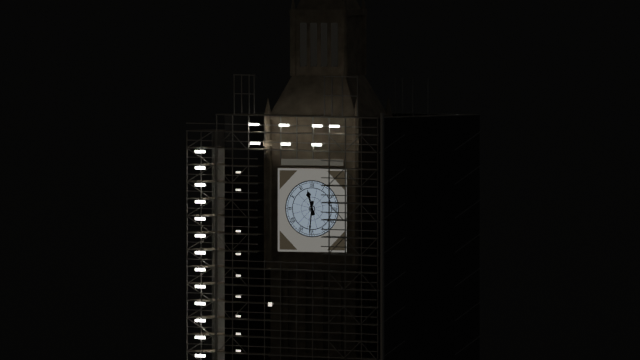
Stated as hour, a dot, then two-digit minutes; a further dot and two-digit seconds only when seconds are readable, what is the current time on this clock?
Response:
11.31
